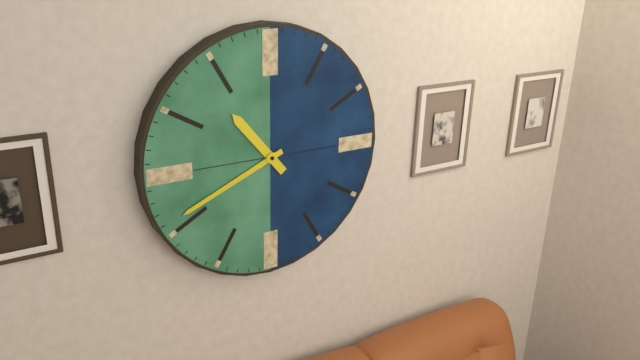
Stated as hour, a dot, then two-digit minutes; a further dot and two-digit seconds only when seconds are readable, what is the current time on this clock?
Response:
10.41
